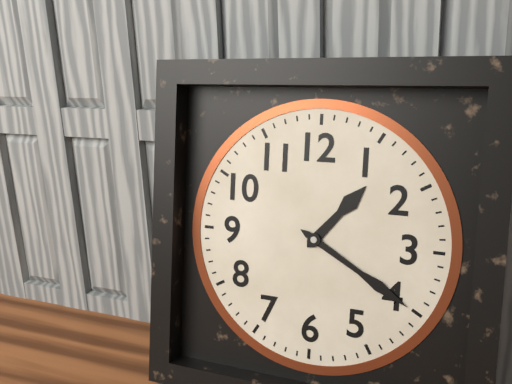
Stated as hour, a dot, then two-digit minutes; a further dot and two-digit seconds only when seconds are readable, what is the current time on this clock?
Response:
1.20
